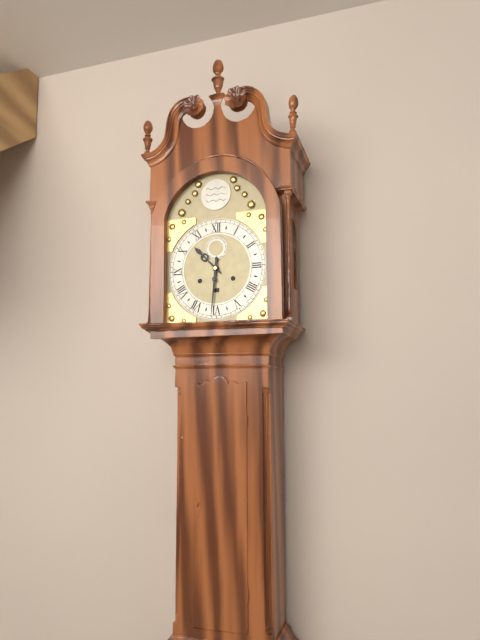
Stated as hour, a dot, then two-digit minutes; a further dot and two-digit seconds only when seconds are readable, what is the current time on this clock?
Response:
10.31
